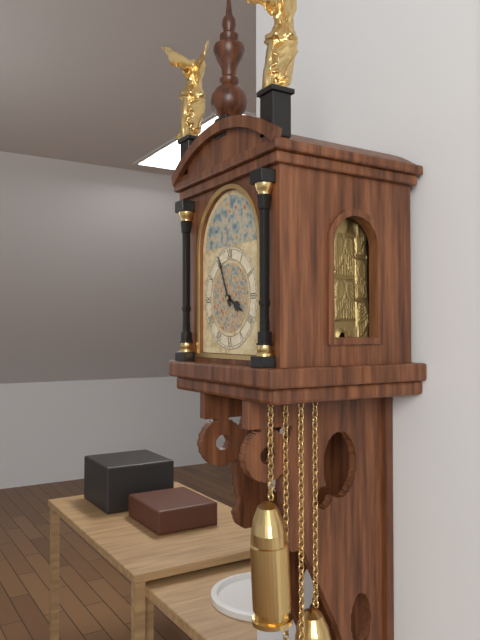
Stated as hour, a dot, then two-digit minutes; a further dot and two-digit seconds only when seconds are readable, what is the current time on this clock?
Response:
3.56
